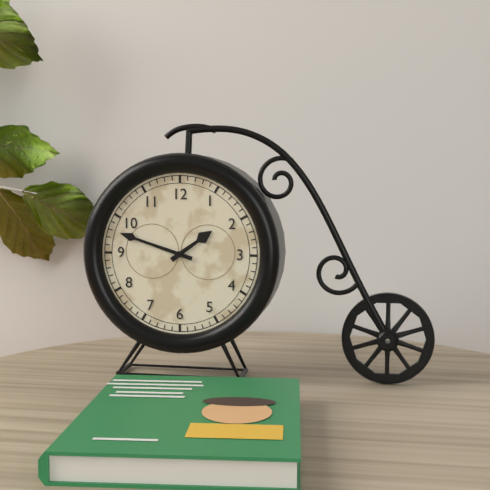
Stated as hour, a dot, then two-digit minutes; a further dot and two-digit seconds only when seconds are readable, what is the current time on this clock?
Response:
1.48
